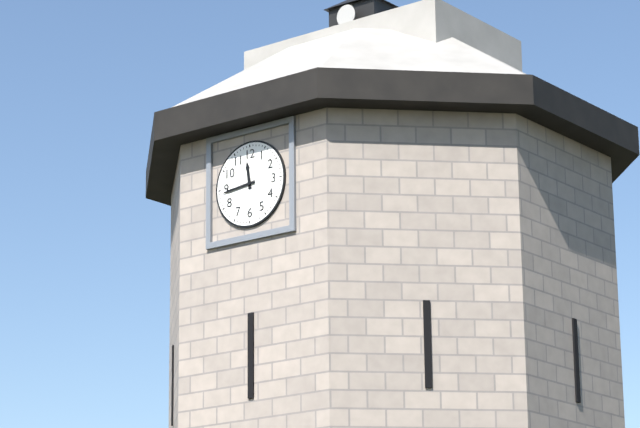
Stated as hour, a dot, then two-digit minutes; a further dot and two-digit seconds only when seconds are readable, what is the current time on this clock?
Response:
11.44
